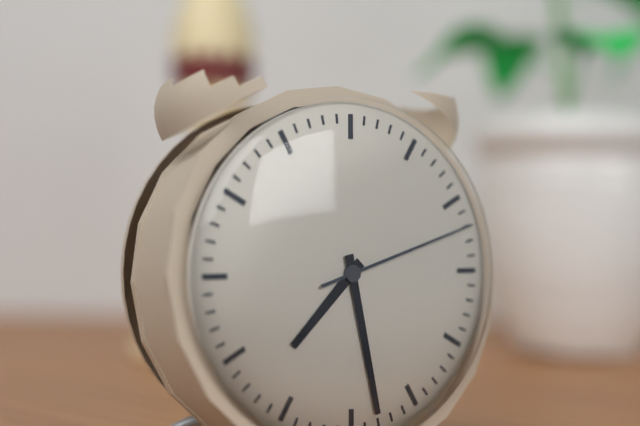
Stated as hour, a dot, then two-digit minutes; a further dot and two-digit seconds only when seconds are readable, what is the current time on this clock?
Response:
7.28.12
